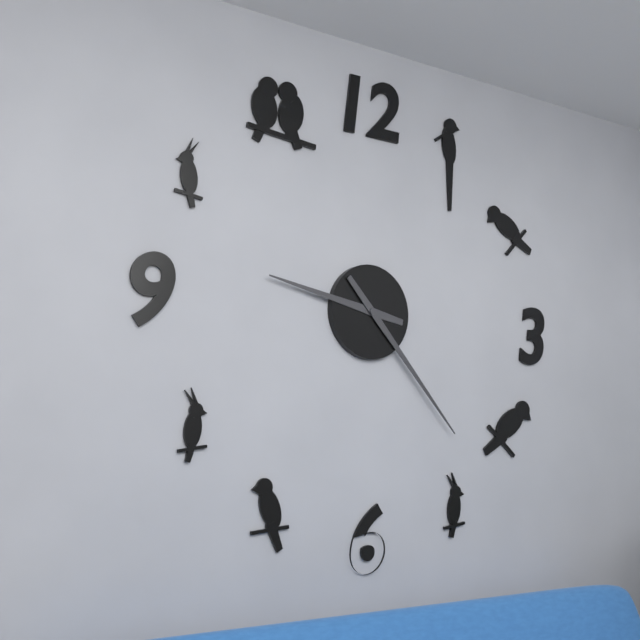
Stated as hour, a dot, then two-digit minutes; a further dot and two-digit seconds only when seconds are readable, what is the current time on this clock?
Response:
9.23
